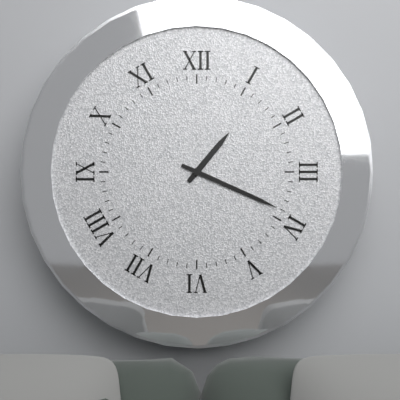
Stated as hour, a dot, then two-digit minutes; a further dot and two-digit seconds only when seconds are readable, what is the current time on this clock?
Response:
1.19
